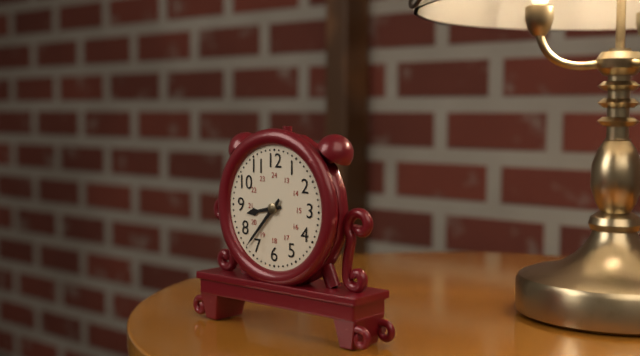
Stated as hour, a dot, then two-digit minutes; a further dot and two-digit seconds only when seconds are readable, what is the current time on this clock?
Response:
8.37
